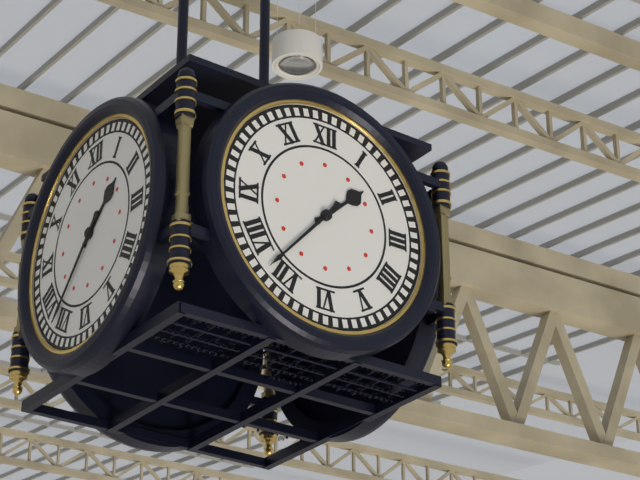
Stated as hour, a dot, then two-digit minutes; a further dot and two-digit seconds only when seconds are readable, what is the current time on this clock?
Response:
1.37
